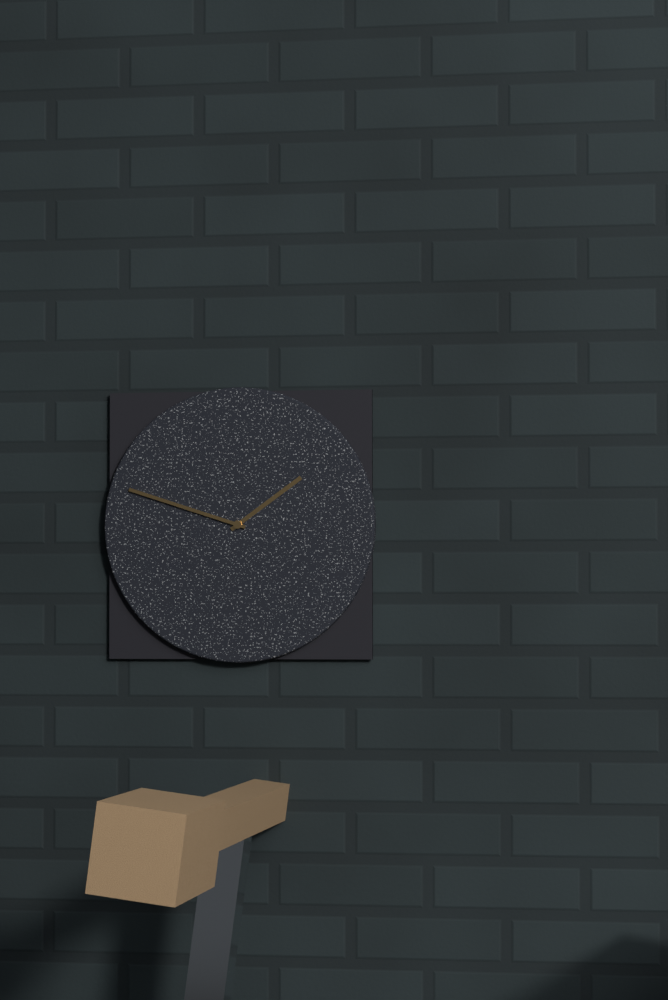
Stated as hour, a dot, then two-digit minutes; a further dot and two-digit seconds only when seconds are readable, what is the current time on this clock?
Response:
1.48
